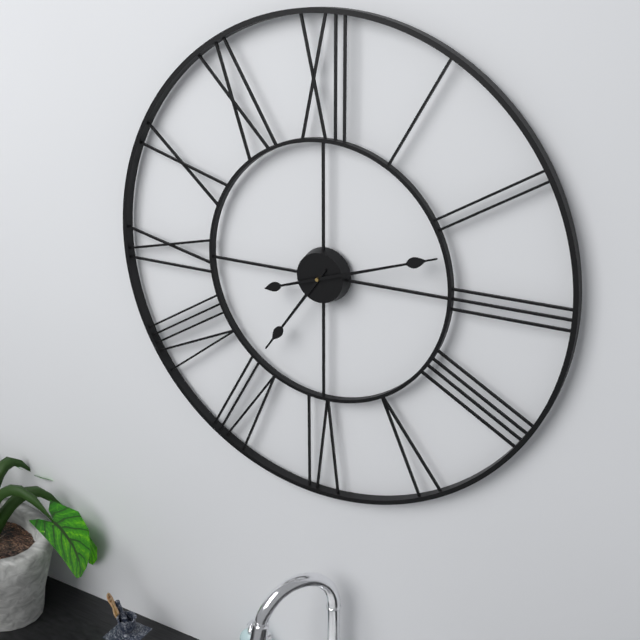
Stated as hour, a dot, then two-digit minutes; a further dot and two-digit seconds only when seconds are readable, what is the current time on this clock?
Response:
7.12
